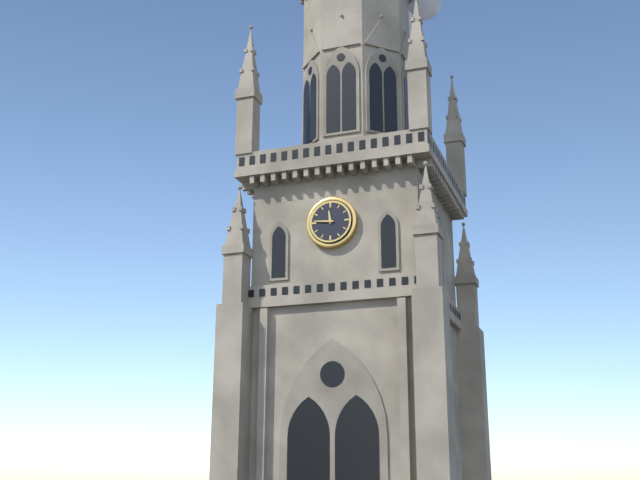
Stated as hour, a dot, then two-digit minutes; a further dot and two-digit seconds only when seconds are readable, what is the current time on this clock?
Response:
11.46
